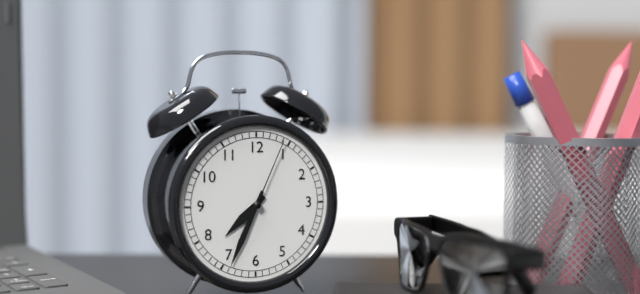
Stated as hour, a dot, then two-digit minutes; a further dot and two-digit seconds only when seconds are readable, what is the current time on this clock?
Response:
7.34.04
